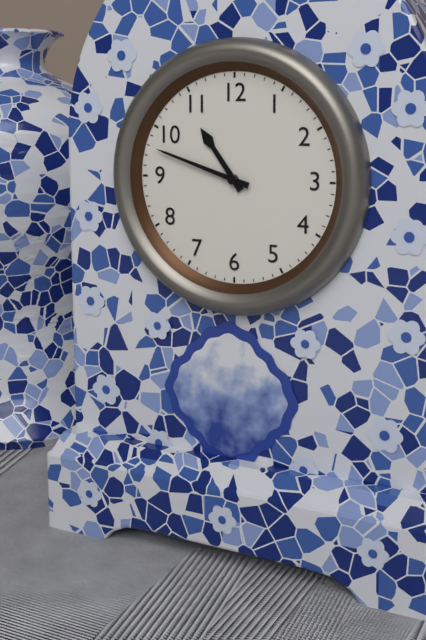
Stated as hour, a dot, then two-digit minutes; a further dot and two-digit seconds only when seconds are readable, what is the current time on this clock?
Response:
10.48
